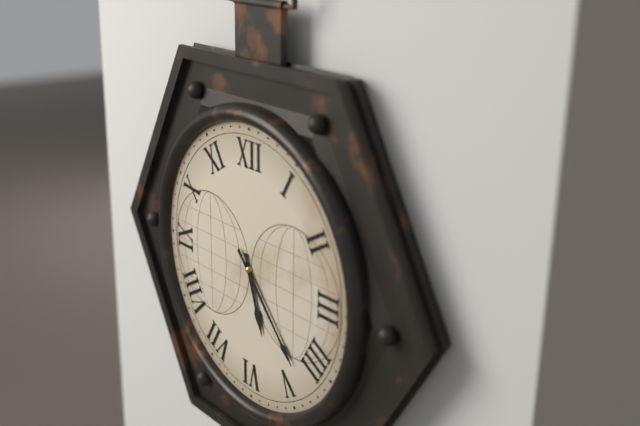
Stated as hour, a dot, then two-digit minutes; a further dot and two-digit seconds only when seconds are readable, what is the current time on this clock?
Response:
5.23
